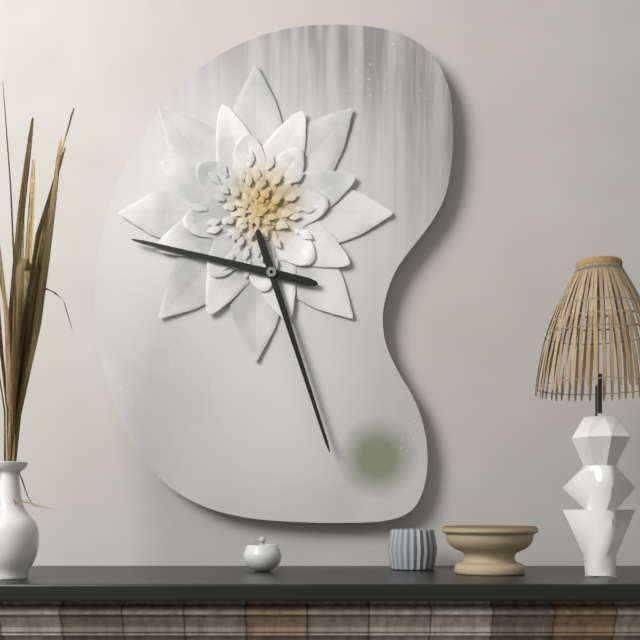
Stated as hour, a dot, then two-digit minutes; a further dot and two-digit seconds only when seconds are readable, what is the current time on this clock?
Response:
9.27
